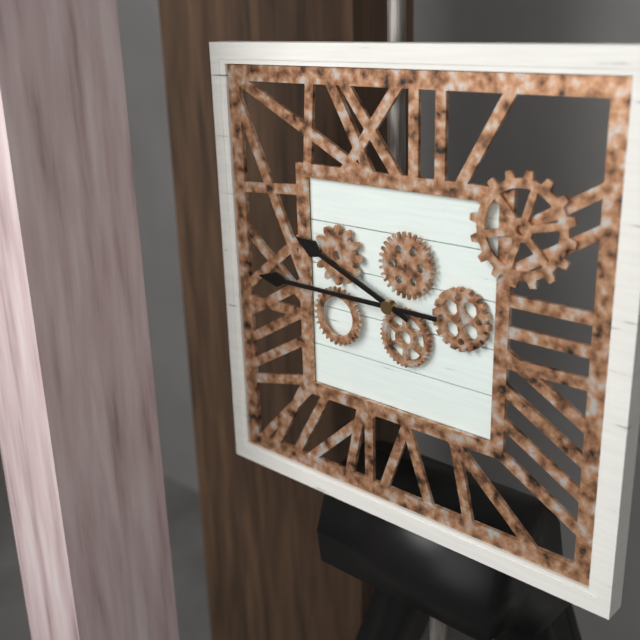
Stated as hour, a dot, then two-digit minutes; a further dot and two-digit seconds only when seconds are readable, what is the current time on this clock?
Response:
9.45
